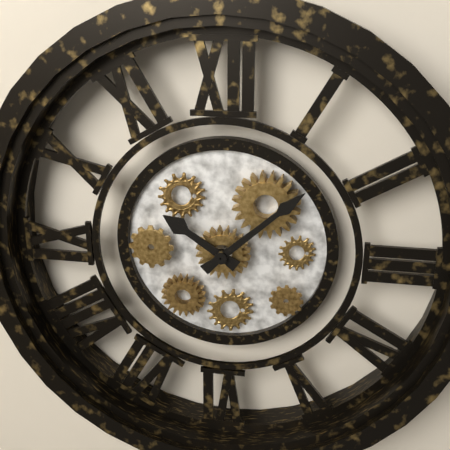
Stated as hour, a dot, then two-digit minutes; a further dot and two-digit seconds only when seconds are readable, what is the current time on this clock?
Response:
10.08
